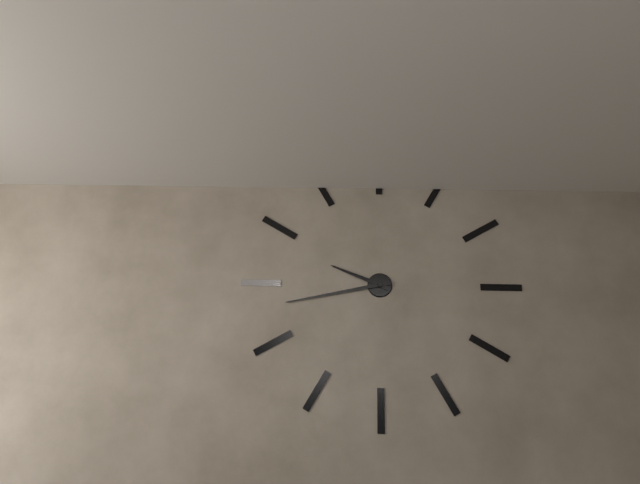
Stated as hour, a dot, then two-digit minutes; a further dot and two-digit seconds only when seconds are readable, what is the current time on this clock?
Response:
9.43
